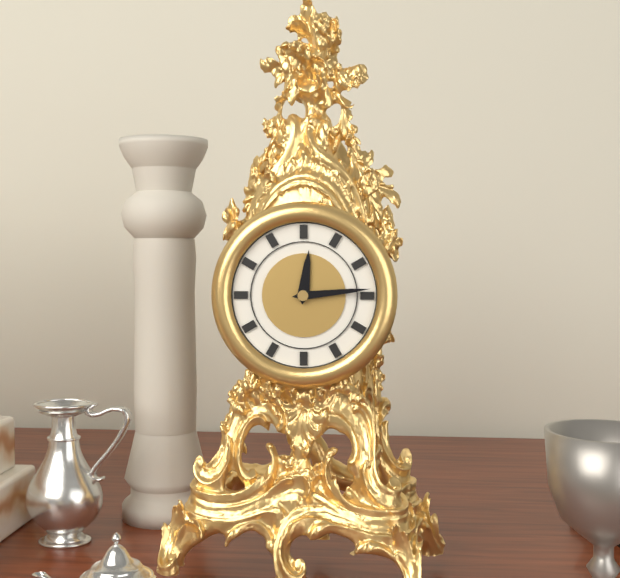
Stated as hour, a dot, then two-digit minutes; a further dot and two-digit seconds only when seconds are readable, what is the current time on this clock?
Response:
12.14
